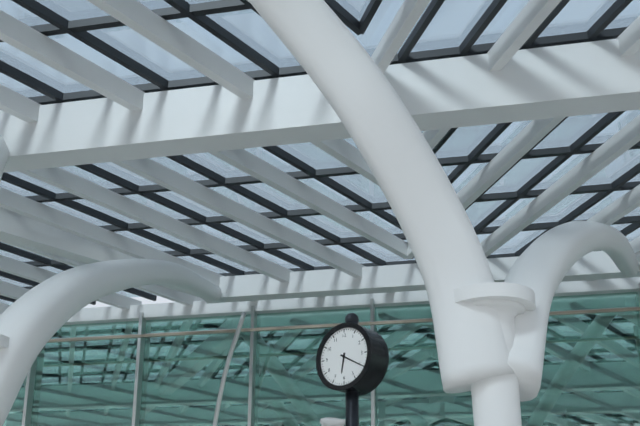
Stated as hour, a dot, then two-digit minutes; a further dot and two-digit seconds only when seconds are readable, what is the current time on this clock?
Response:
6.20
